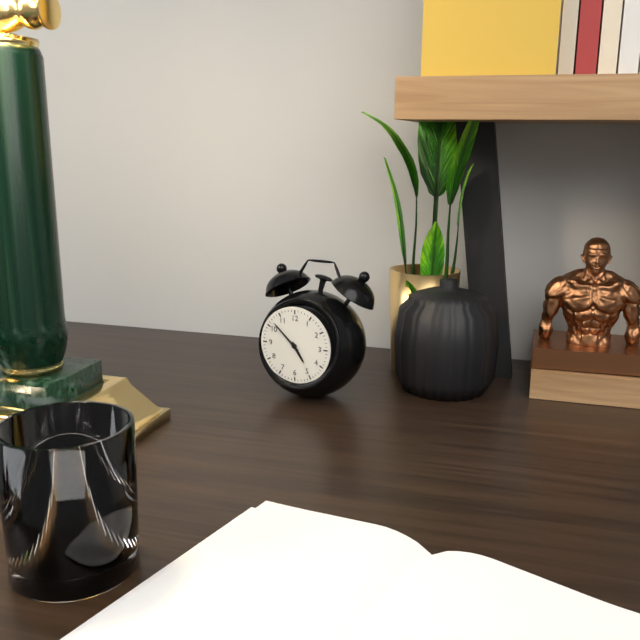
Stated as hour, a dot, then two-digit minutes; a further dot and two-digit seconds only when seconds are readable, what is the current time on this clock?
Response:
4.52
